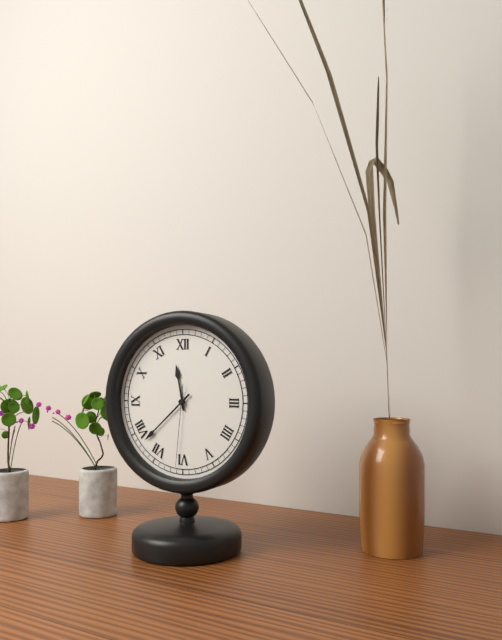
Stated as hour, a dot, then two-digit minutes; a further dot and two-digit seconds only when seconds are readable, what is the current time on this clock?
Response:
11.38.31
